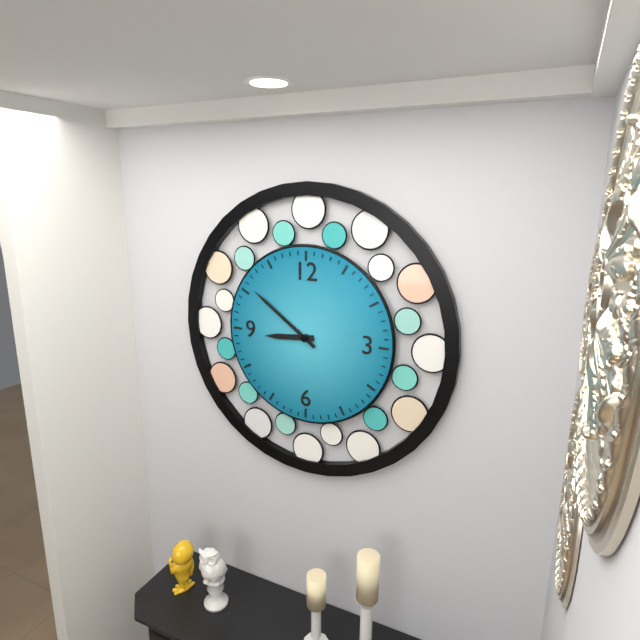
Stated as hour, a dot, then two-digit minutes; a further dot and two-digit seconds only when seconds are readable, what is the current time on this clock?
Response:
8.51
